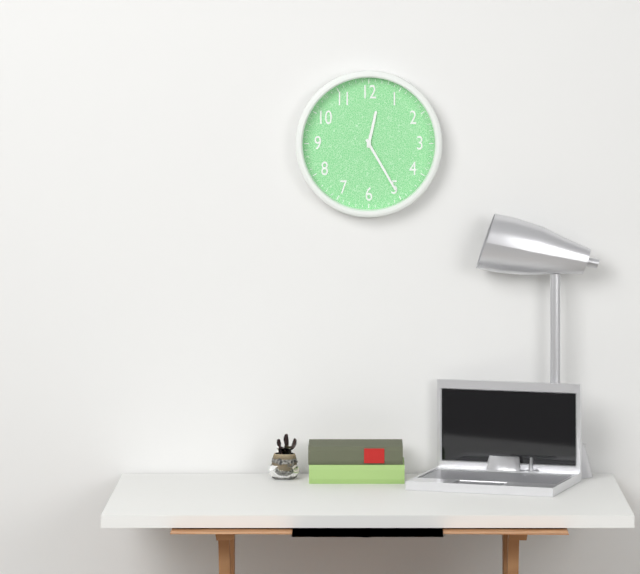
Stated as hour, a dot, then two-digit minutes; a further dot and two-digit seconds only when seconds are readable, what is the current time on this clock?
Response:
12.25
